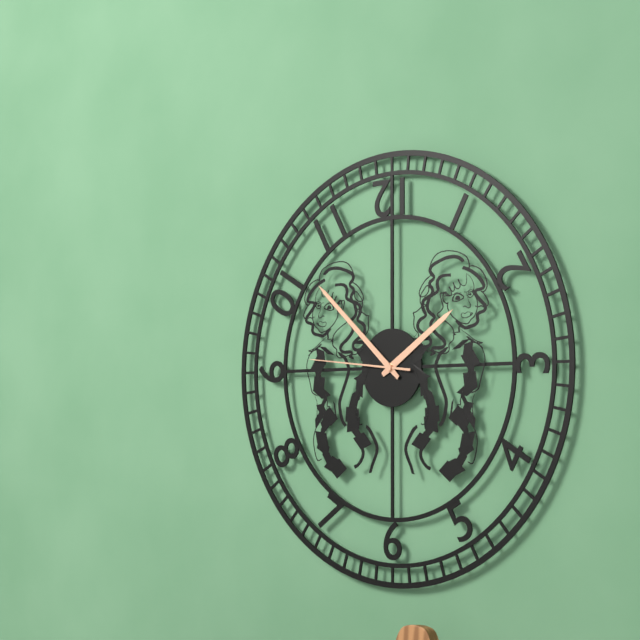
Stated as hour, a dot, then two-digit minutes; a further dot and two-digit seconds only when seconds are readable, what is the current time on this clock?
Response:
1.52.46
